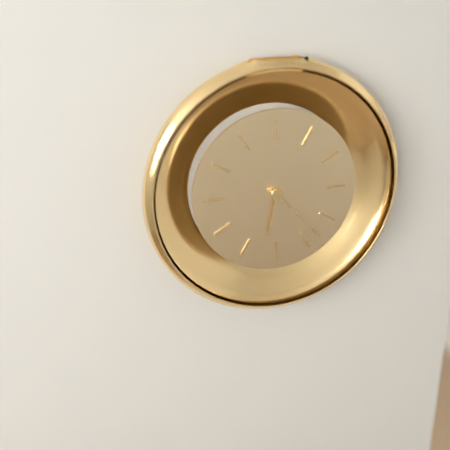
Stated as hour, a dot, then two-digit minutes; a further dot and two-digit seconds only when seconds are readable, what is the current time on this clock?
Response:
6.23
